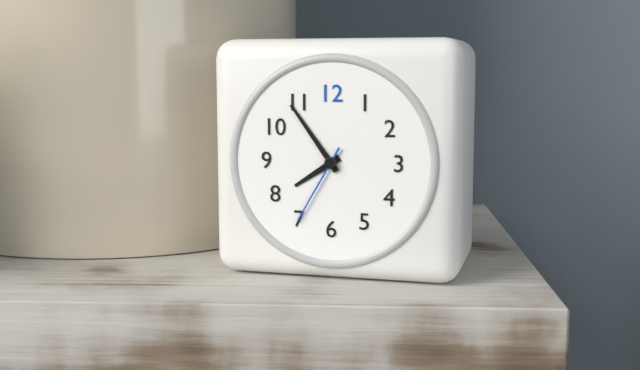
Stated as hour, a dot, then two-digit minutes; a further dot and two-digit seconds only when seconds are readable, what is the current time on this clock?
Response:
7.54.35
